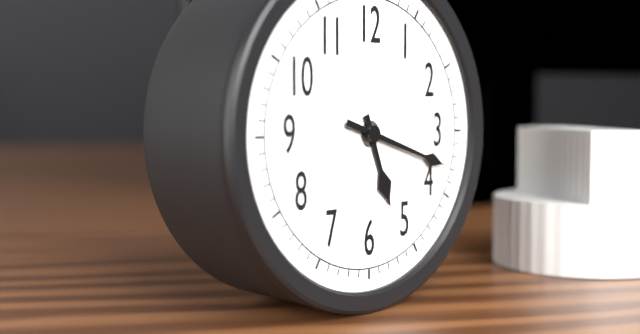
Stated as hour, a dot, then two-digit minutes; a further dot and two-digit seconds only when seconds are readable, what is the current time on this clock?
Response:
5.18
